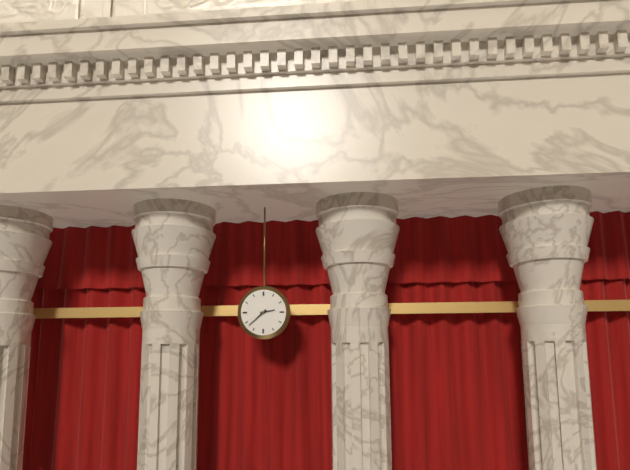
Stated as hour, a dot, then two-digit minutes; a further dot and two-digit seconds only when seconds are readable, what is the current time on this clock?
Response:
2.38
